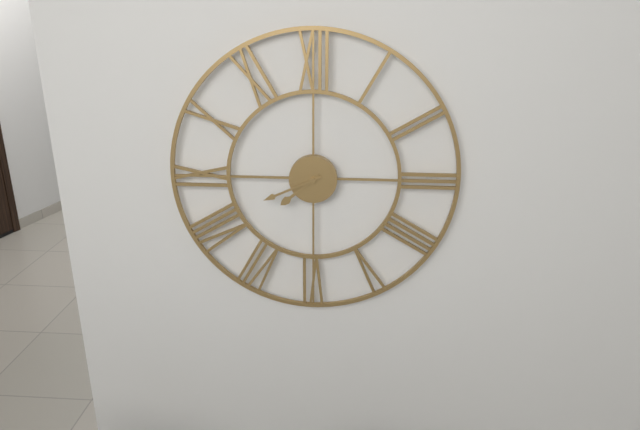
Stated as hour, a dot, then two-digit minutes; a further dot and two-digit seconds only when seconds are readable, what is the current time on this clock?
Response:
7.41
